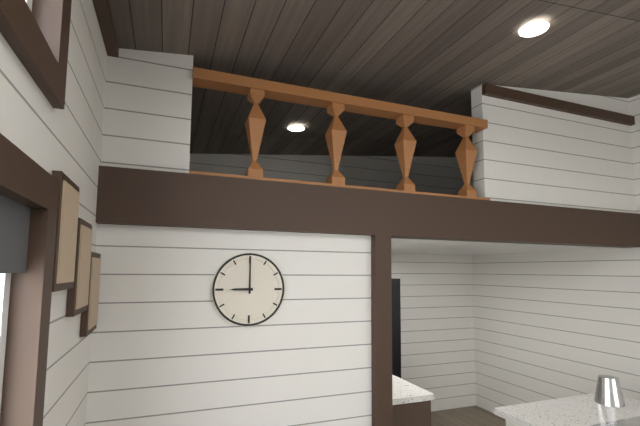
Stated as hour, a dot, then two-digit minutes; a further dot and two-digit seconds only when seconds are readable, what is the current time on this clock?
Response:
9.00
